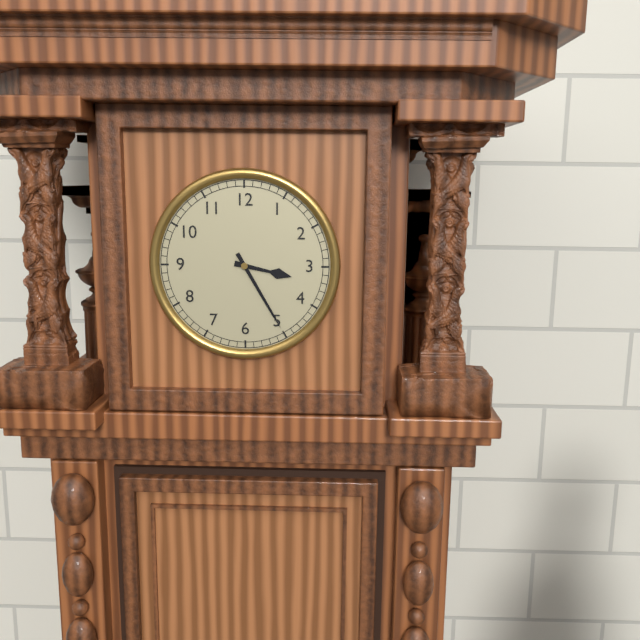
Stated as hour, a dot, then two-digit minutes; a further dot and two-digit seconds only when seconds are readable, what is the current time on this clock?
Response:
3.25
